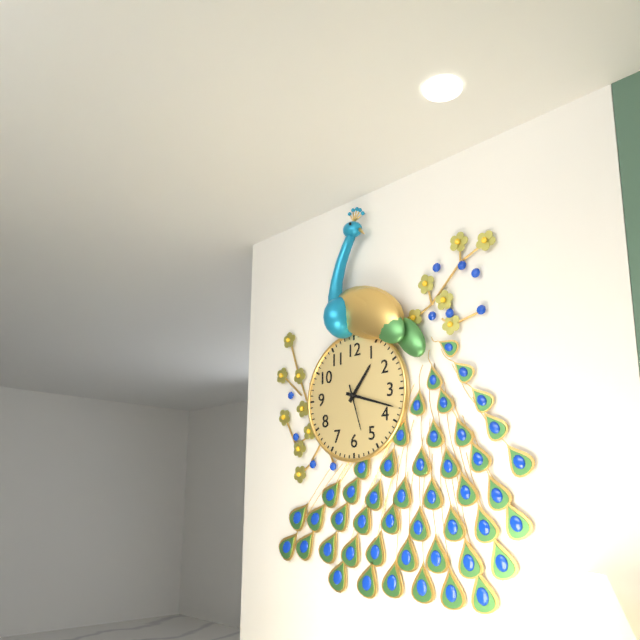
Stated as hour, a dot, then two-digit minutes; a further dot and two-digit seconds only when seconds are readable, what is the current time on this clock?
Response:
1.18
